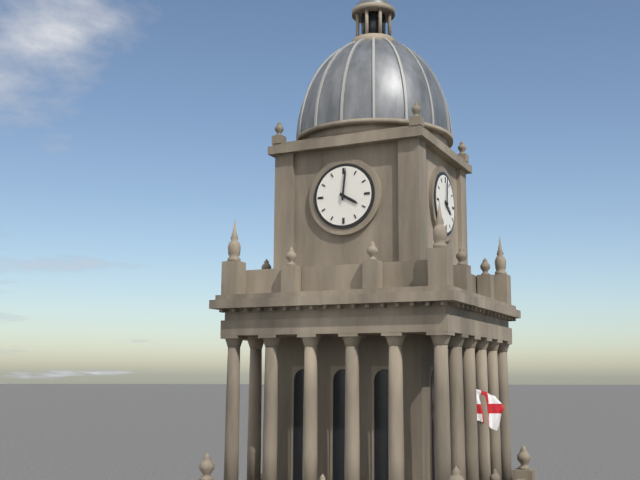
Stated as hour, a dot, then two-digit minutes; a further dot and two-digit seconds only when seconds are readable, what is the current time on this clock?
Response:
4.01
